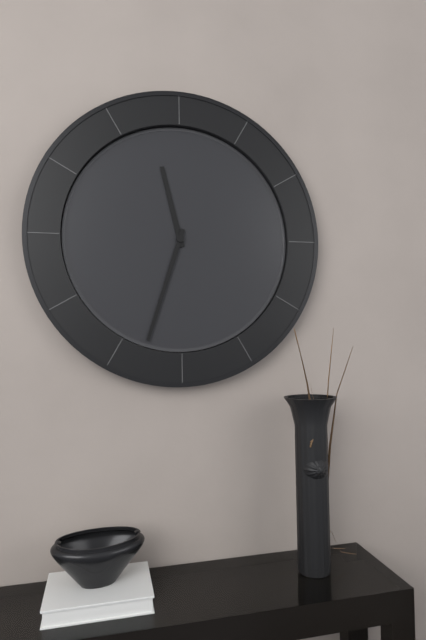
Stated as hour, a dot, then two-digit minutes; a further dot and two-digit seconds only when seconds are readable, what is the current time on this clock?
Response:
11.33
